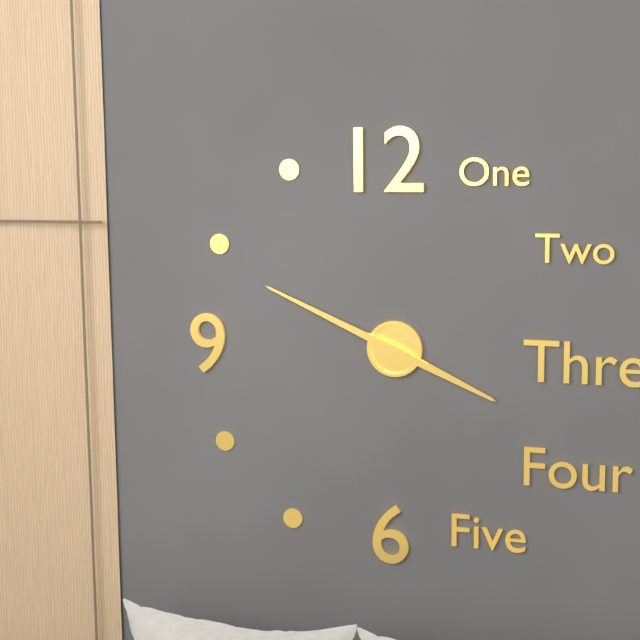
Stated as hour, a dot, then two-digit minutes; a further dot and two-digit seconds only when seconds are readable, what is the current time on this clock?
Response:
3.49
